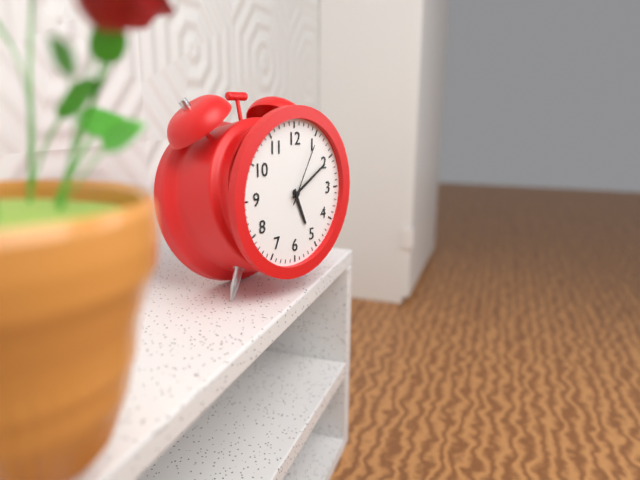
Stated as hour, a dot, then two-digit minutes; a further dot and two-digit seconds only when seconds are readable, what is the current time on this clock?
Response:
5.10.05
